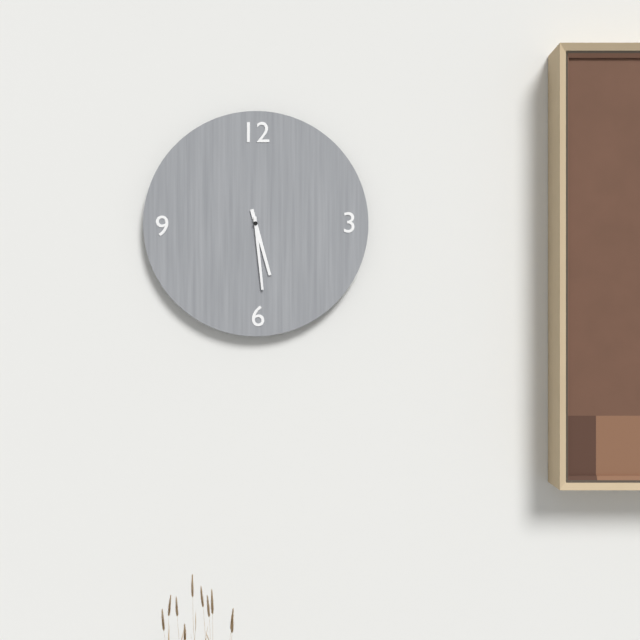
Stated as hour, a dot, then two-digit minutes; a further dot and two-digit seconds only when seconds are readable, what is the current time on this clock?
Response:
5.29
